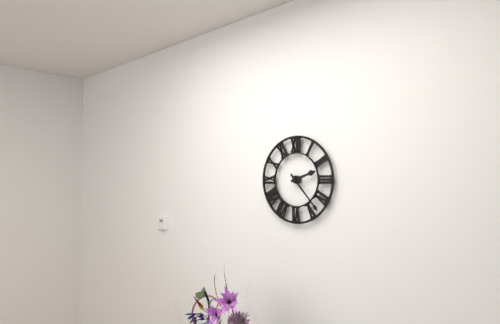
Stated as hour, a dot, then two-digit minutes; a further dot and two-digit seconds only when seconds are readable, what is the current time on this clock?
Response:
2.23
